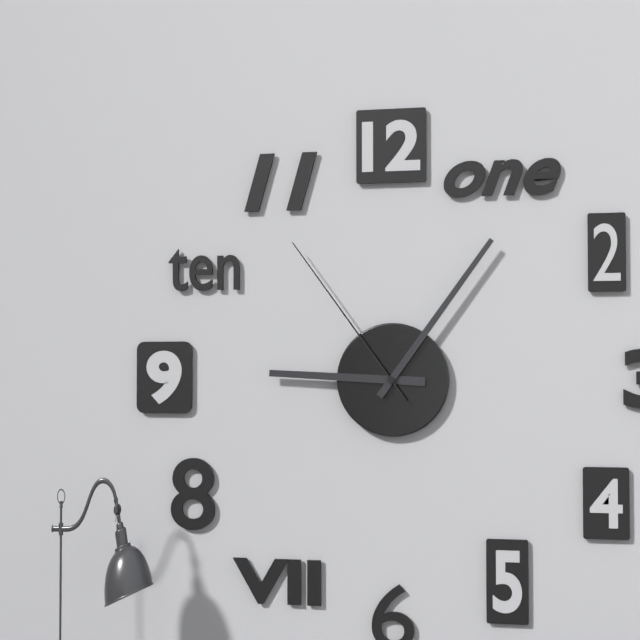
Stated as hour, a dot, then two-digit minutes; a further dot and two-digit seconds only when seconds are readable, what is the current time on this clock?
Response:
9.06.54
